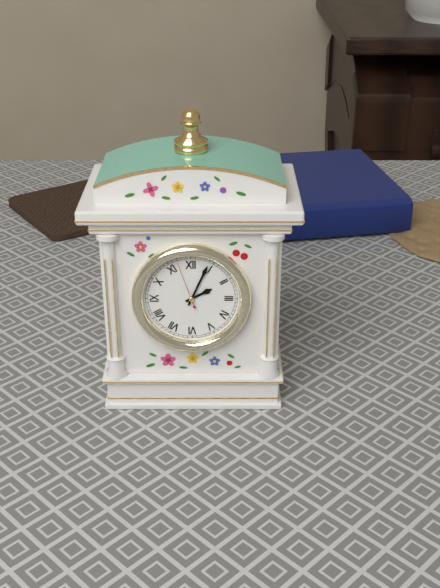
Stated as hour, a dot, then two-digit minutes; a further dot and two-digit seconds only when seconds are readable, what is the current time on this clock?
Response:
2.04
